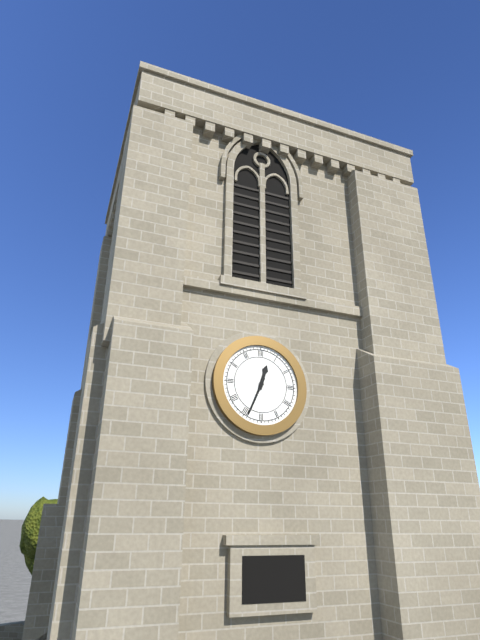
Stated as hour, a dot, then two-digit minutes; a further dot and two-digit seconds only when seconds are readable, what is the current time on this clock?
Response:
12.34
